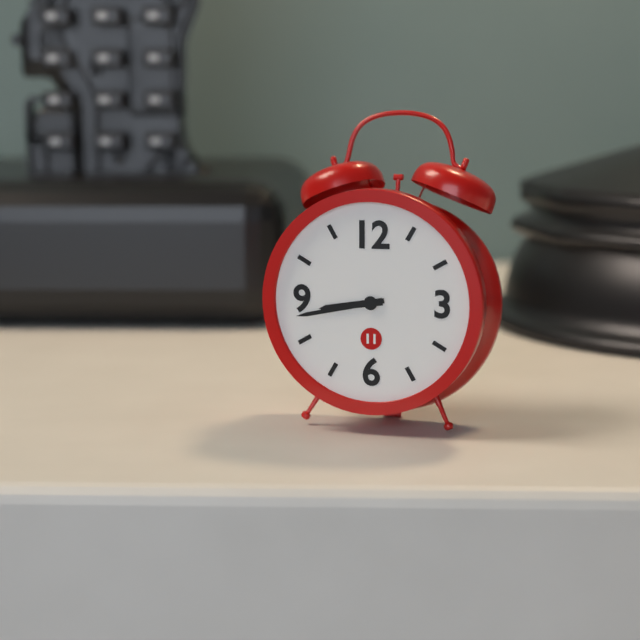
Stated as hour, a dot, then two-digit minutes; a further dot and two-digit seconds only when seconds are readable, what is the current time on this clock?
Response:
8.43
